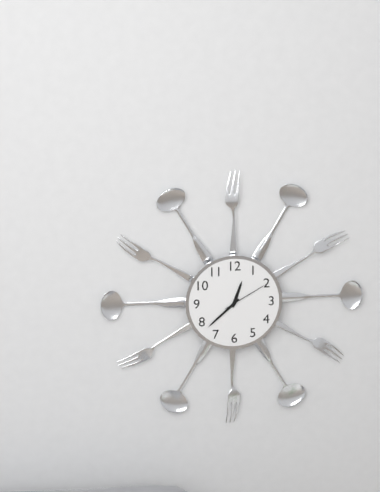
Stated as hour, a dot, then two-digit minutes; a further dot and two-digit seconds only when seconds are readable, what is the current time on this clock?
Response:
12.38
